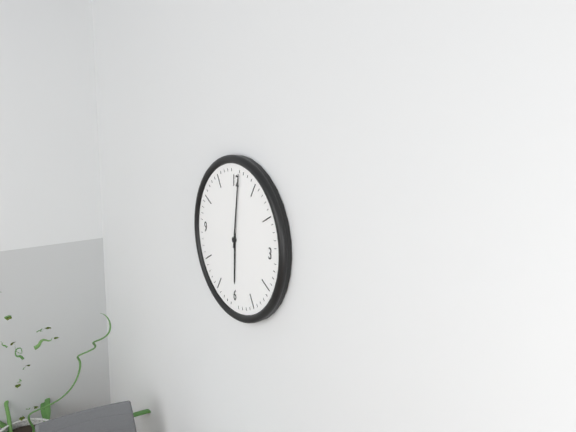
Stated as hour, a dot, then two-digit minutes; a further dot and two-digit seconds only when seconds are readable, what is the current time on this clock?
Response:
6.01
